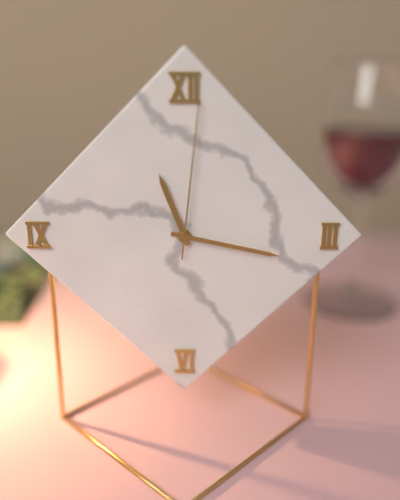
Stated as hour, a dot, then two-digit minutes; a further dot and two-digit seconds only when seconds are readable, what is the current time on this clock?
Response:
11.17.01
